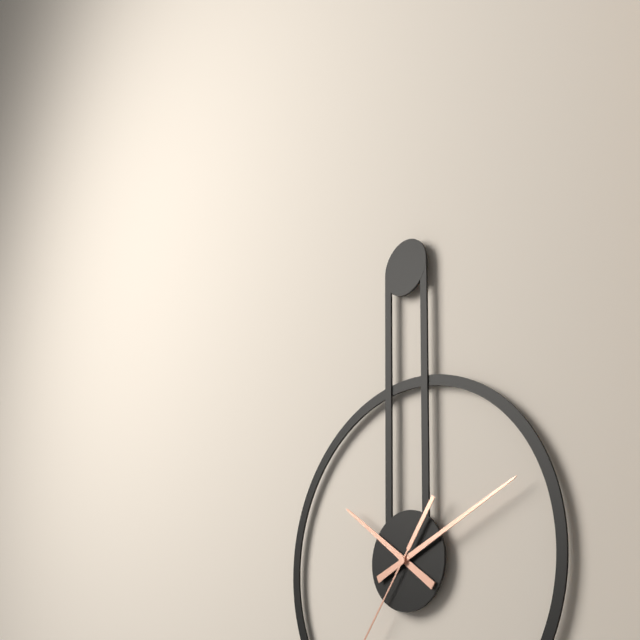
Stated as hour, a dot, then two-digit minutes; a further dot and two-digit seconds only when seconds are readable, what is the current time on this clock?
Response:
10.11
